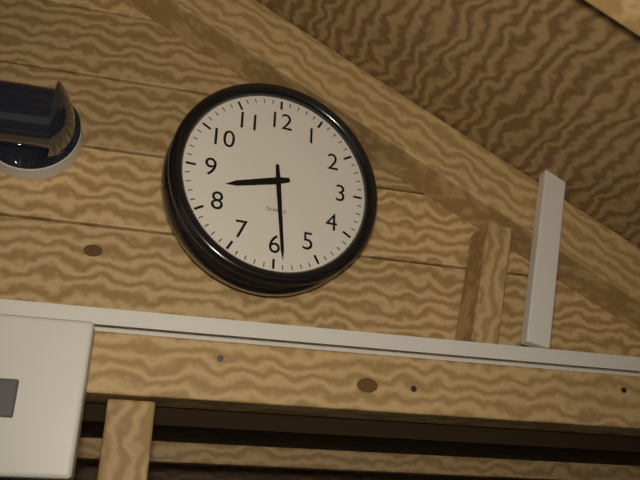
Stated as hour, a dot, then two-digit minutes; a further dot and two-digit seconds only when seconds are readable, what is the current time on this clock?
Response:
8.29
